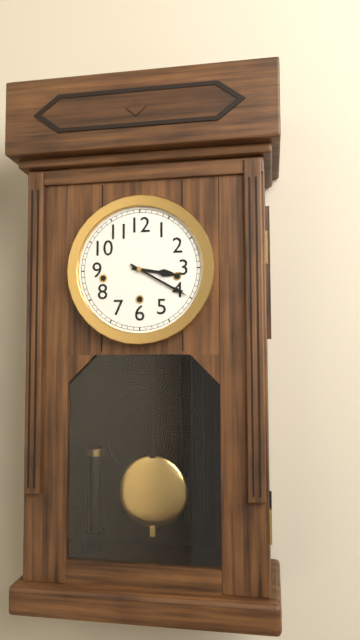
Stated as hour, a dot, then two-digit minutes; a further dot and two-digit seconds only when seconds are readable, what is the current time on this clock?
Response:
3.20
